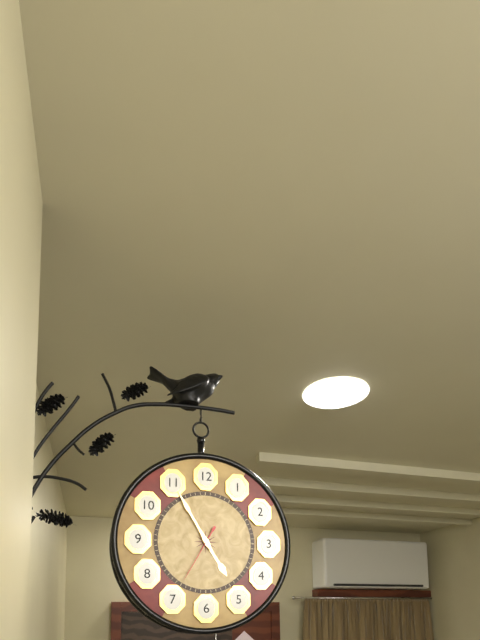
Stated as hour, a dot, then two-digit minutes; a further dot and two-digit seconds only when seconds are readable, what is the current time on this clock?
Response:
4.55.35
